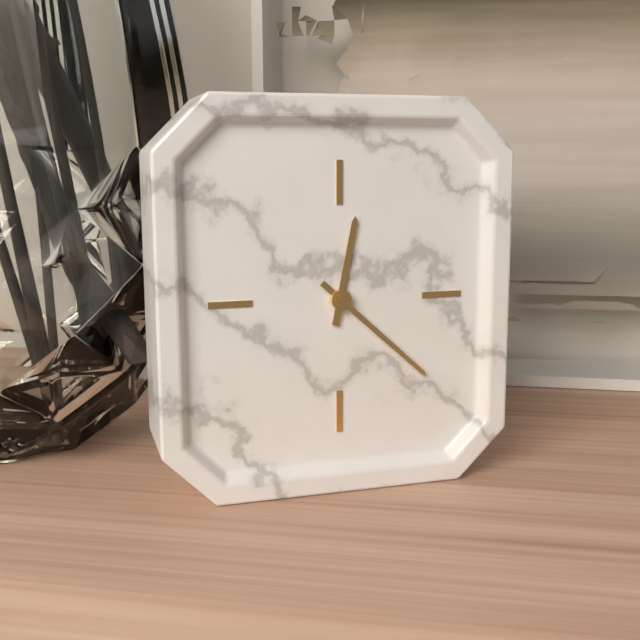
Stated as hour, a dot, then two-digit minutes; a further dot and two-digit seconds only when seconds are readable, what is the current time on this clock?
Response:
12.22
